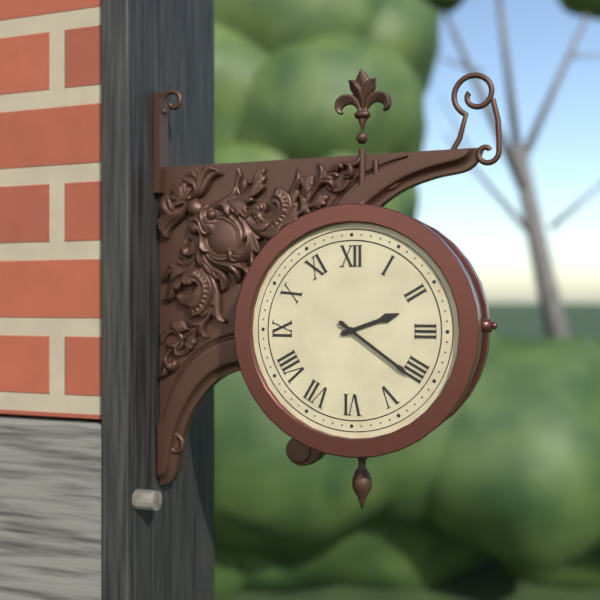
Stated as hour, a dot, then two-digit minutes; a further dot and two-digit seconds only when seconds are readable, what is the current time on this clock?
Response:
2.21
